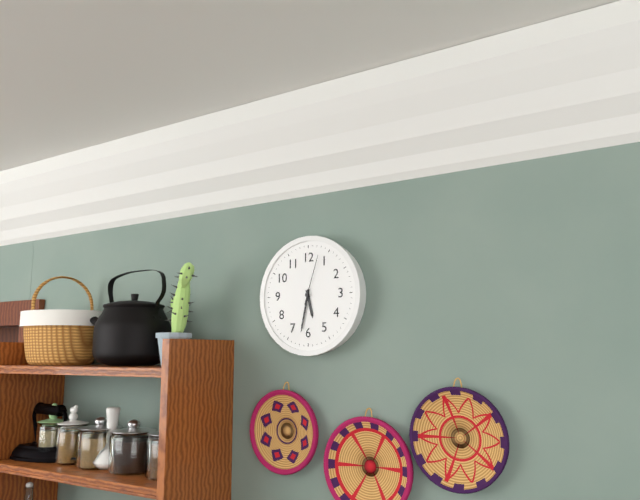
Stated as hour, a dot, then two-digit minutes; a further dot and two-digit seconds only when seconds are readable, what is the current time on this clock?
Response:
5.32.03
